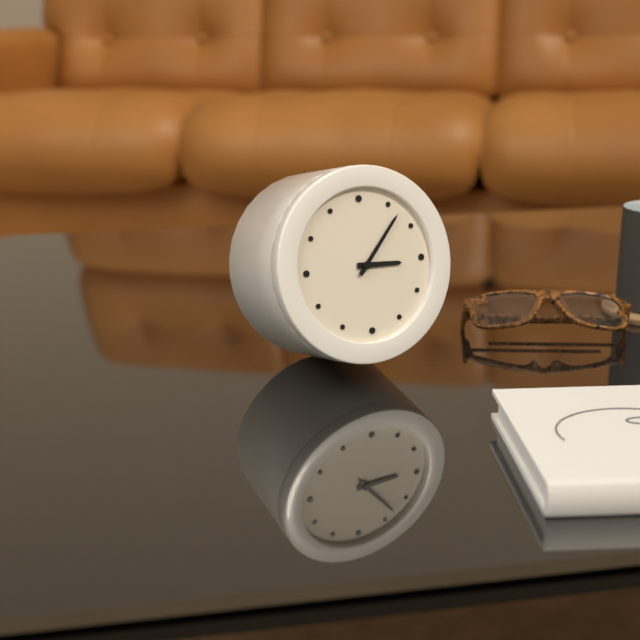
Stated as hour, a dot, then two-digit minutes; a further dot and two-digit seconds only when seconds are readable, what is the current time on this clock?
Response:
3.07
